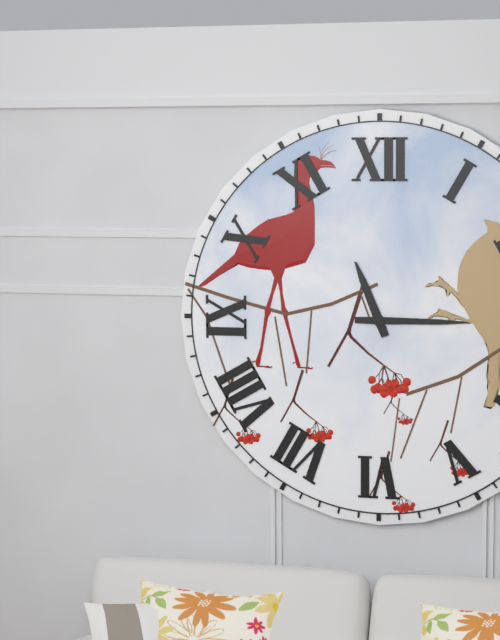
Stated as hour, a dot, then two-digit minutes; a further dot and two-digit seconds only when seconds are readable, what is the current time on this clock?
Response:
11.15
